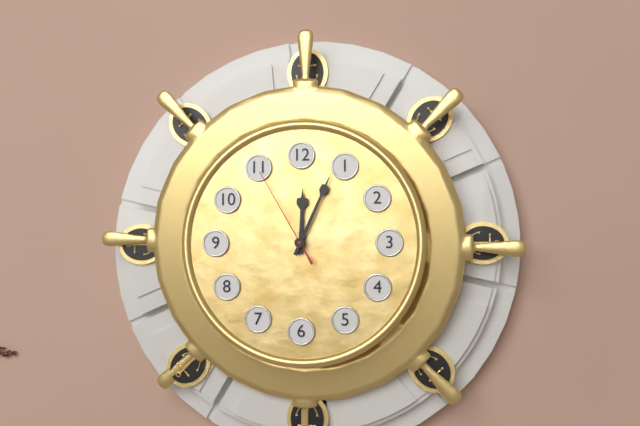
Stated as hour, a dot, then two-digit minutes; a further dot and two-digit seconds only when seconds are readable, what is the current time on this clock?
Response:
12.04.55
